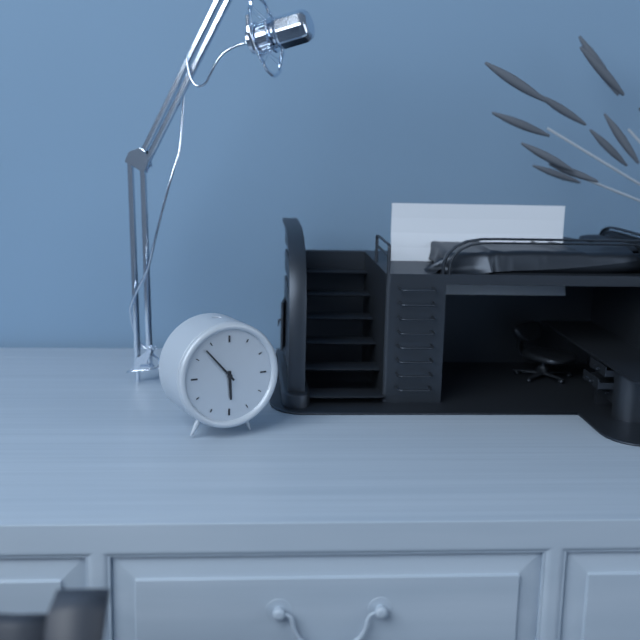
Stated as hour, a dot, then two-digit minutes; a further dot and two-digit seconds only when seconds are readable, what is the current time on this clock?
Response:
5.53
